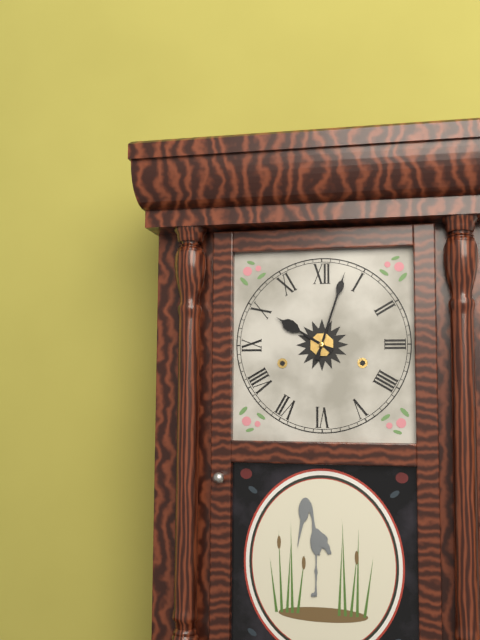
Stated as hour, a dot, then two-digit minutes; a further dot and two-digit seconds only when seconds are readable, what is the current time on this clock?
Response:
10.03
